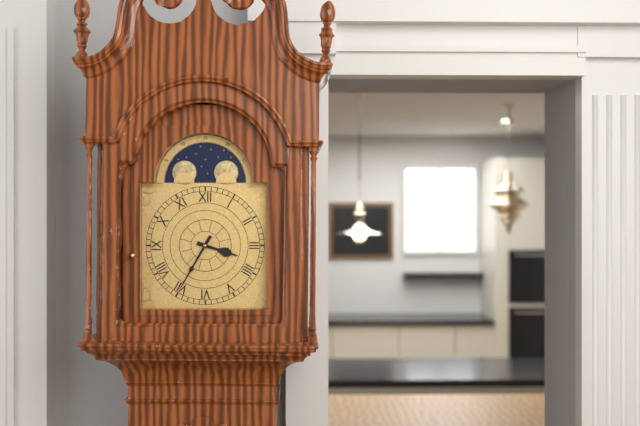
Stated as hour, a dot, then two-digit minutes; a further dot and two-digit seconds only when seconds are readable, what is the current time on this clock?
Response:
3.35
